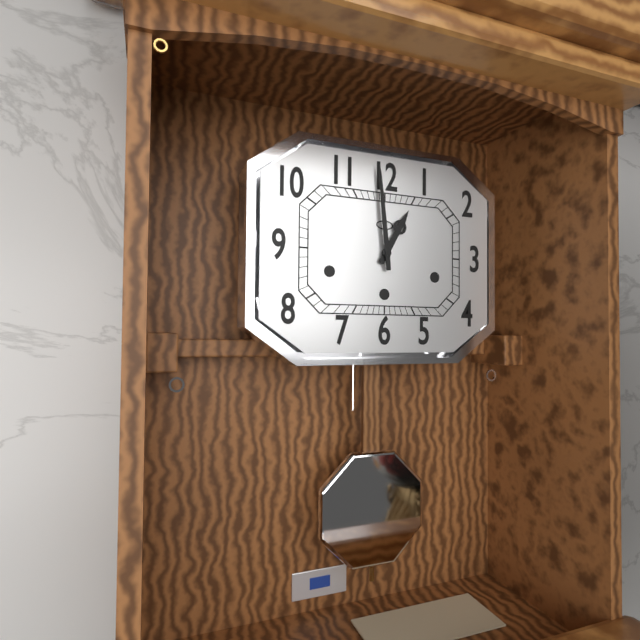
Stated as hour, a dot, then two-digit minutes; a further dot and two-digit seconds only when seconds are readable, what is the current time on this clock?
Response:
12.59
